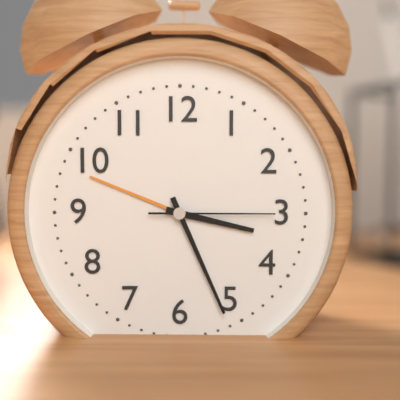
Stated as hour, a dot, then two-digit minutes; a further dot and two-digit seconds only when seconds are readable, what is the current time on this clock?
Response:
3.26.15
